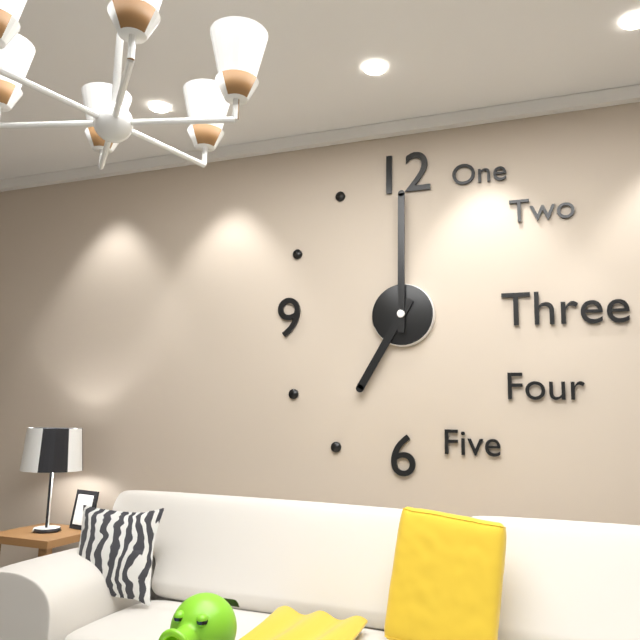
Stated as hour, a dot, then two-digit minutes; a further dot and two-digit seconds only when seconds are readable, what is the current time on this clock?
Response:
7.00
